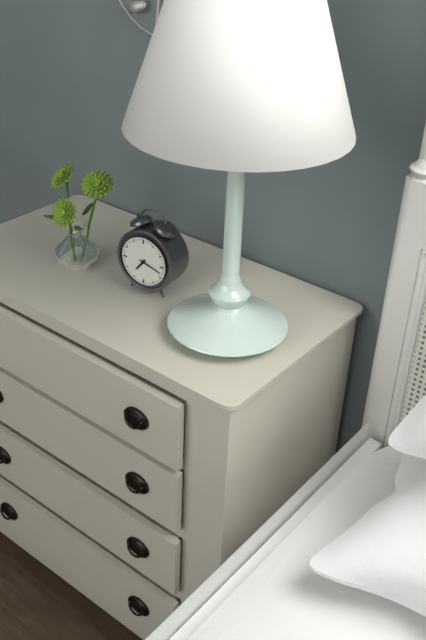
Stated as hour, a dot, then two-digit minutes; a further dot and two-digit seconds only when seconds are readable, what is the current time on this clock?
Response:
7.18
